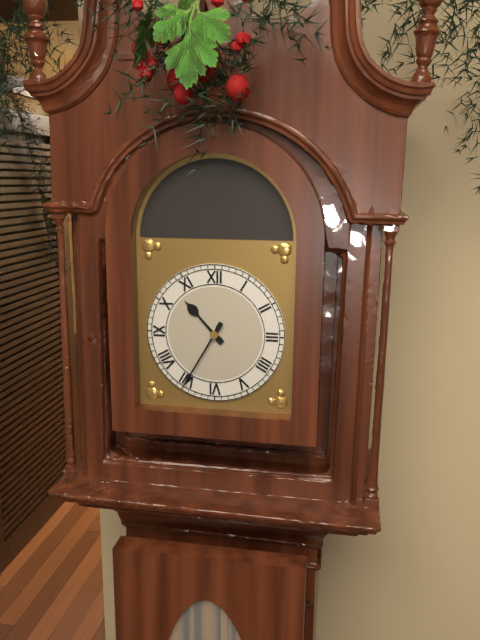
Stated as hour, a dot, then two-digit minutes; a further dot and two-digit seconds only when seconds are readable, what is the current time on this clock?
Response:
10.35
